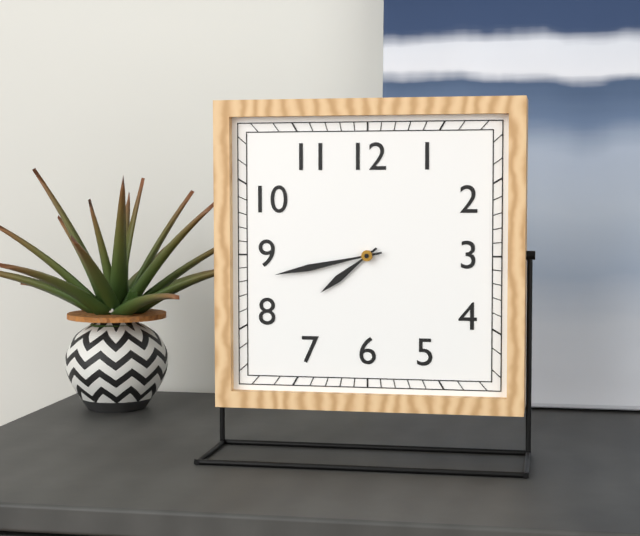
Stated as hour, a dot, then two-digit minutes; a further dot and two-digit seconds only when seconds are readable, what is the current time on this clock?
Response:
7.43
